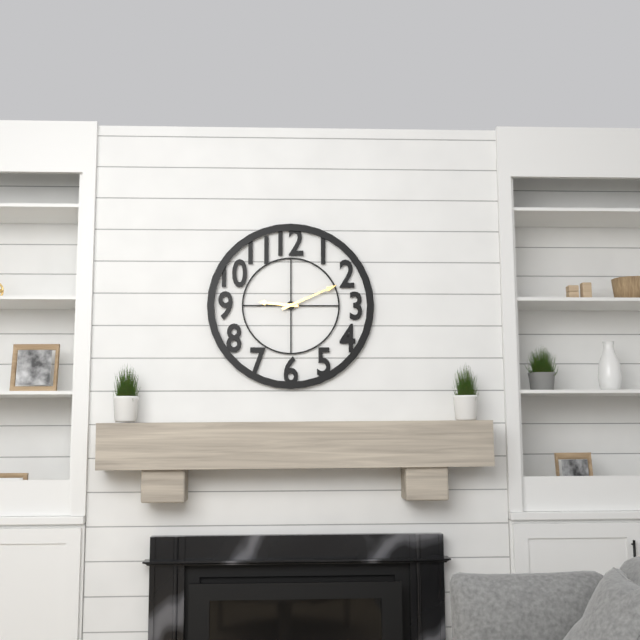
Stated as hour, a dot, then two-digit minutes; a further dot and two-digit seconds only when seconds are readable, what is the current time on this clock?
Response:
9.11
